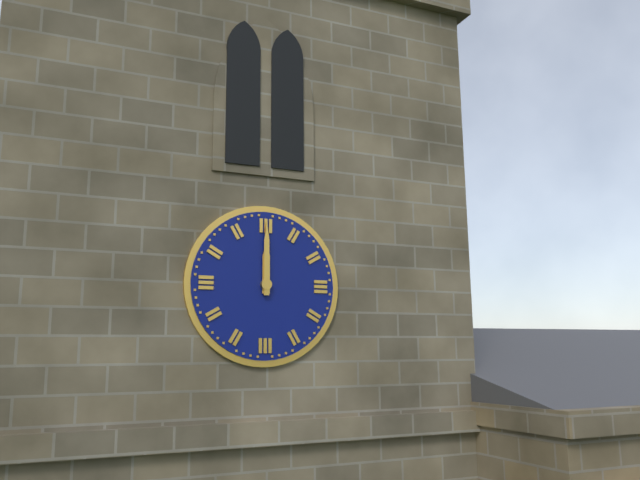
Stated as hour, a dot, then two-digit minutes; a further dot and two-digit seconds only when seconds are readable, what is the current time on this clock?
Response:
12.00
